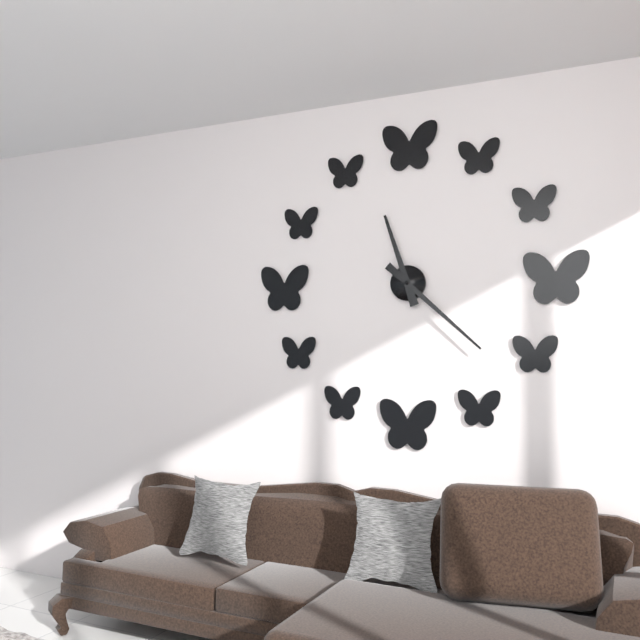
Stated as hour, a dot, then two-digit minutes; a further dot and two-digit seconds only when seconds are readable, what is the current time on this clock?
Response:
11.22
